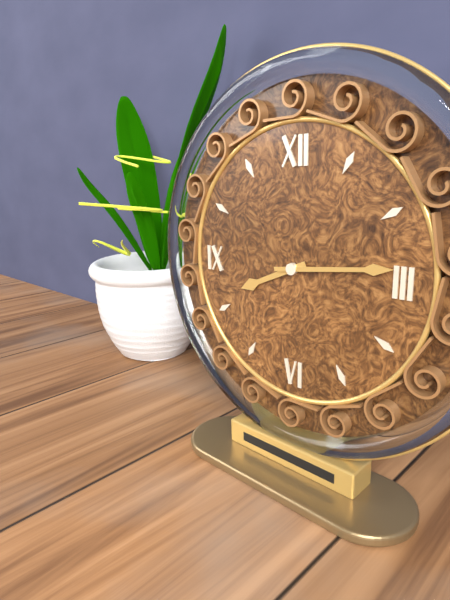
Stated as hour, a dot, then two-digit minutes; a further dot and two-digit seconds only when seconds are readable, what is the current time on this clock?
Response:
8.14
